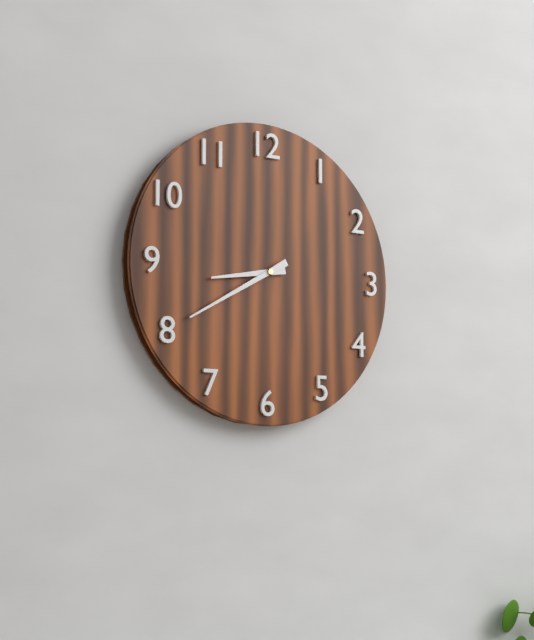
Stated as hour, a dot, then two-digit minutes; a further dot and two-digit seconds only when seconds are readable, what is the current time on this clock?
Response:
8.40
